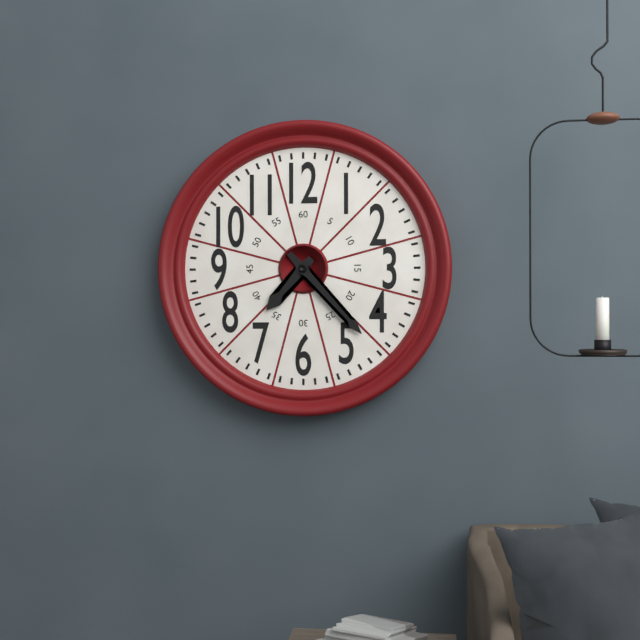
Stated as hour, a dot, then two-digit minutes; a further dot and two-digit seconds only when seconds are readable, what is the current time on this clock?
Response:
7.23
